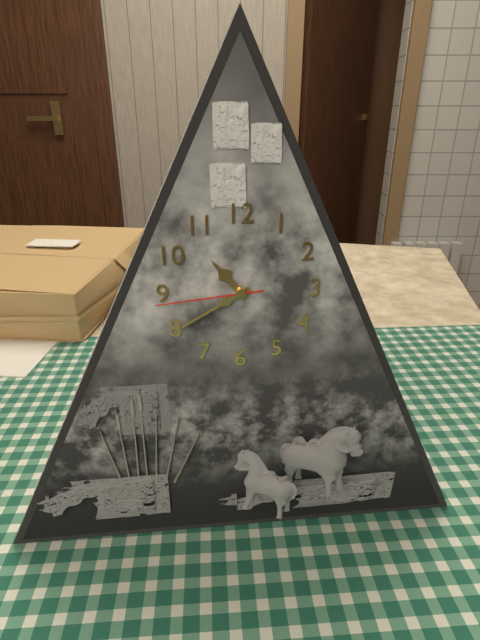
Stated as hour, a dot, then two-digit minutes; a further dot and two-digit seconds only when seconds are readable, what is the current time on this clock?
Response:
10.40.44
